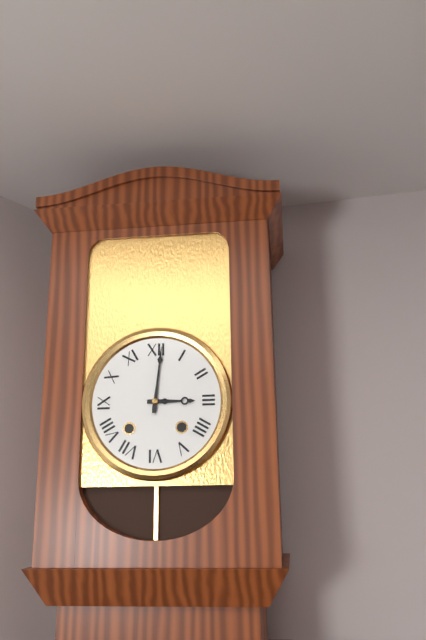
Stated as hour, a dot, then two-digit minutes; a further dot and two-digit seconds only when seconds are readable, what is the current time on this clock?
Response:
3.01
